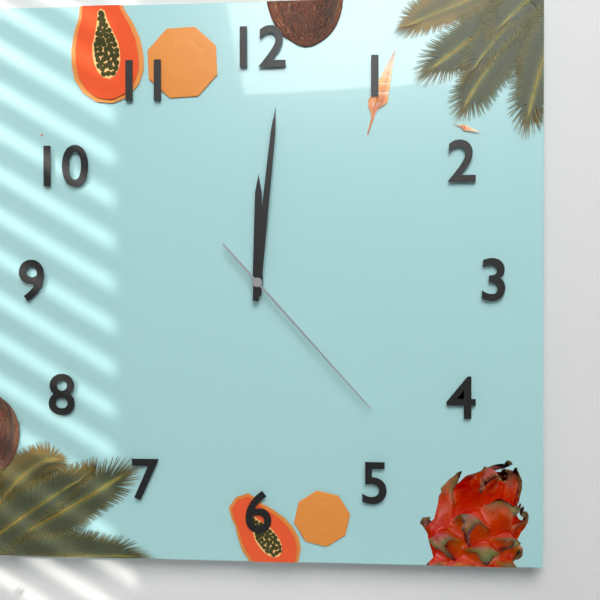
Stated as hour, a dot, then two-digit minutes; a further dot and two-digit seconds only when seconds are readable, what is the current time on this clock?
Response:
12.01.23
